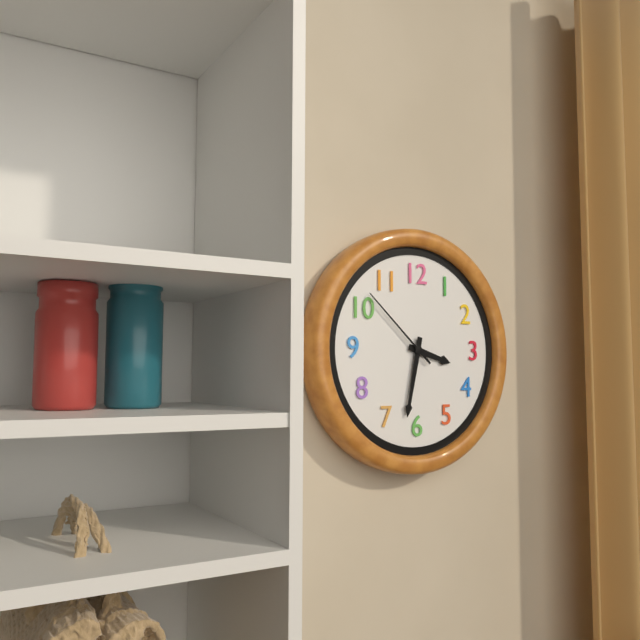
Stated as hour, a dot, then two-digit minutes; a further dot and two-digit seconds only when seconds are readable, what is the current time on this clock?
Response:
3.32.52
